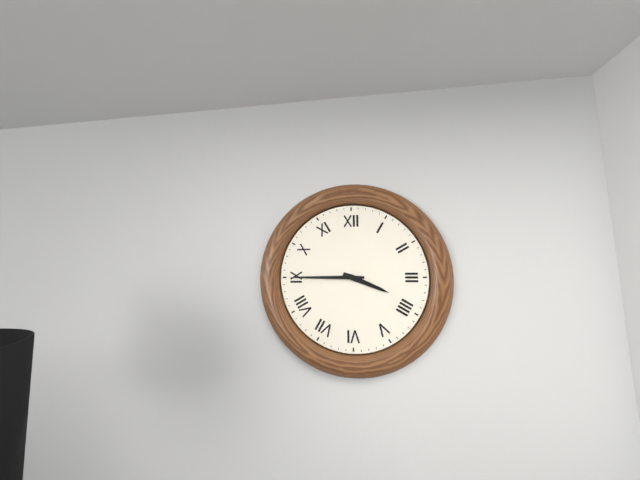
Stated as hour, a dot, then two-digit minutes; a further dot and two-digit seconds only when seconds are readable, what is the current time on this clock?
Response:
3.45
